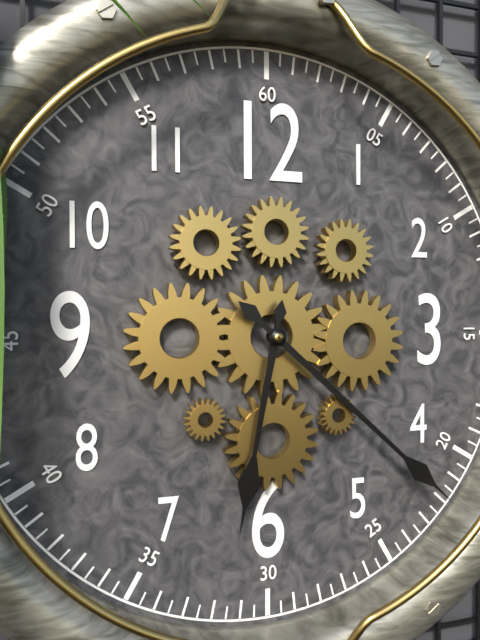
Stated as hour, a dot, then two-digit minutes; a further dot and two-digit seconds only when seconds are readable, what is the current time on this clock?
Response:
6.22
